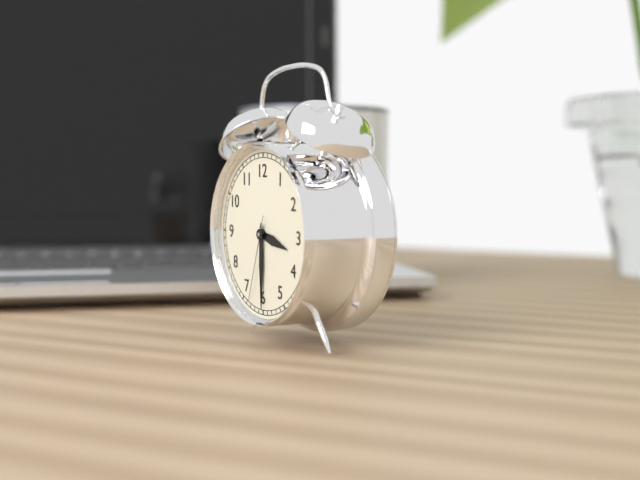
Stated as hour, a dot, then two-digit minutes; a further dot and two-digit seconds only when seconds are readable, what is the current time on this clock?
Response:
3.30.33
